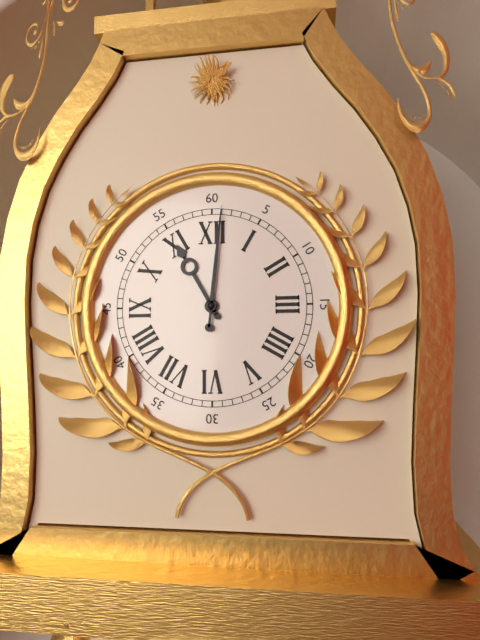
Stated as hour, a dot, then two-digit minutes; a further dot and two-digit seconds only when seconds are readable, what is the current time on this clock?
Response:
11.01
